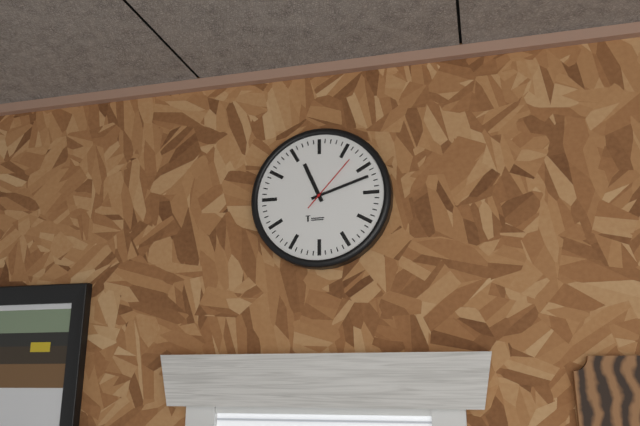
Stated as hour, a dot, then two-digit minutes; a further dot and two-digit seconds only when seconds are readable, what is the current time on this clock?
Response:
11.12.07
